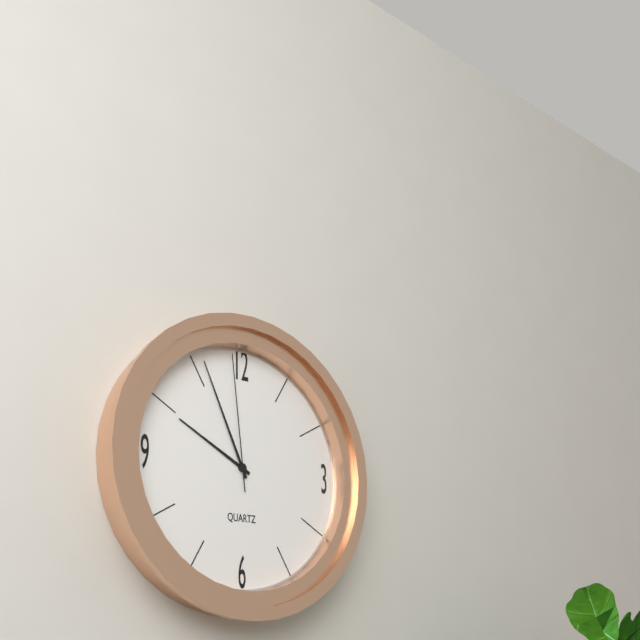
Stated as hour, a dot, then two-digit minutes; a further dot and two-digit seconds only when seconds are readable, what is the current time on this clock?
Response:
9.56.59
